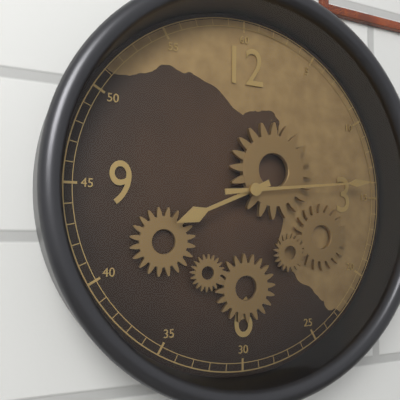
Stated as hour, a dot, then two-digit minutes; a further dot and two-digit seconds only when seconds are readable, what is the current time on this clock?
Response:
8.14
